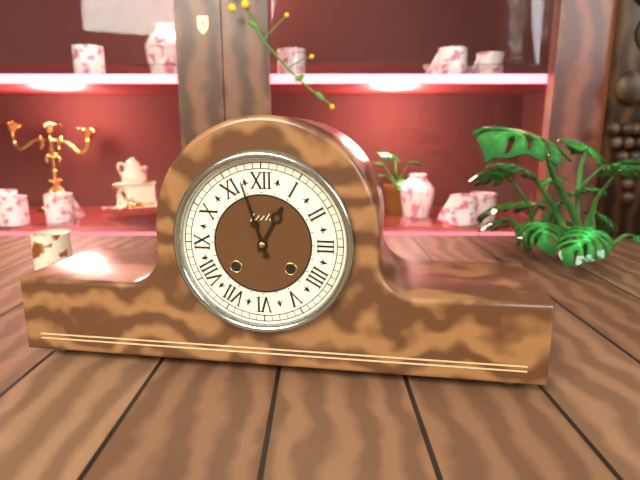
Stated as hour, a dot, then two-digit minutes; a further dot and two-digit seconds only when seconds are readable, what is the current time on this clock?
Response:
12.57
